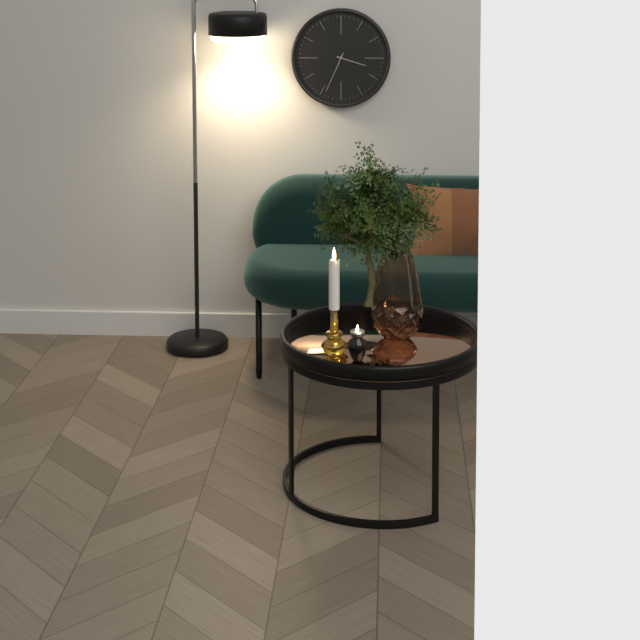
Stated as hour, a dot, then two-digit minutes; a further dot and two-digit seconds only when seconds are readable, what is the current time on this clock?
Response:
3.34
